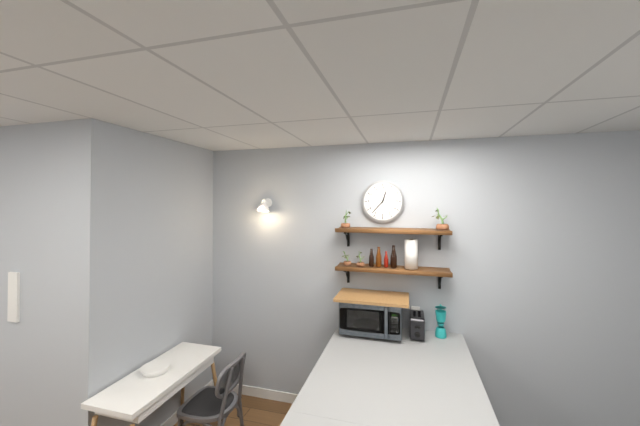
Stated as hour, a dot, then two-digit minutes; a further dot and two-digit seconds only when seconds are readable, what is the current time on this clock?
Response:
12.37
